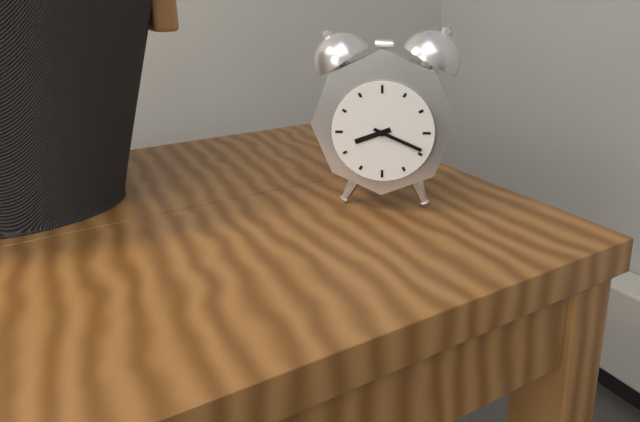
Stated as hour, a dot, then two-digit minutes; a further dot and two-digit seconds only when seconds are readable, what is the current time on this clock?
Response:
8.19
